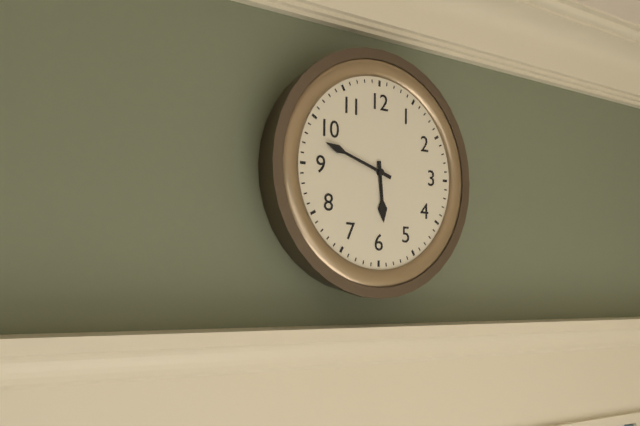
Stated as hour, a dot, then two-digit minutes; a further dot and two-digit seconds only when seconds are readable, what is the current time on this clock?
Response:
5.48
